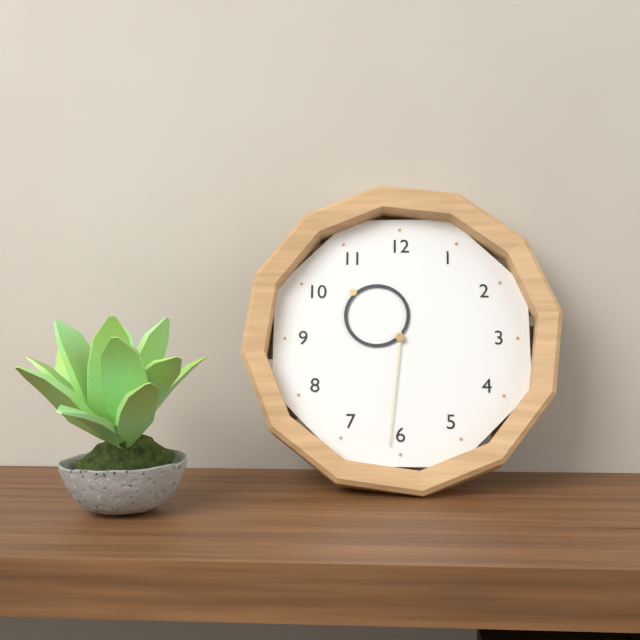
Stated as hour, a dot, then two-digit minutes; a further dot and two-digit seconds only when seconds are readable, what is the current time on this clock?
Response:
10.31
